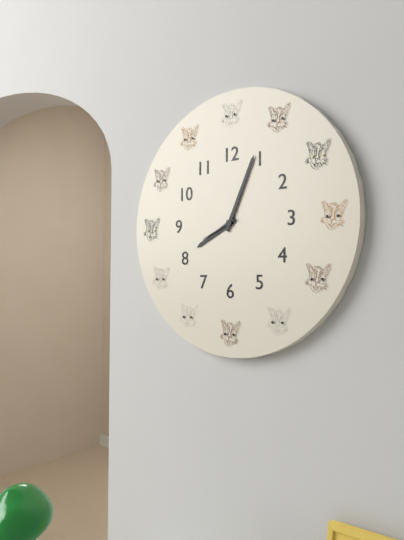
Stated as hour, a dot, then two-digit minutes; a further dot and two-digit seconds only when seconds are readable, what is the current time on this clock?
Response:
8.04
